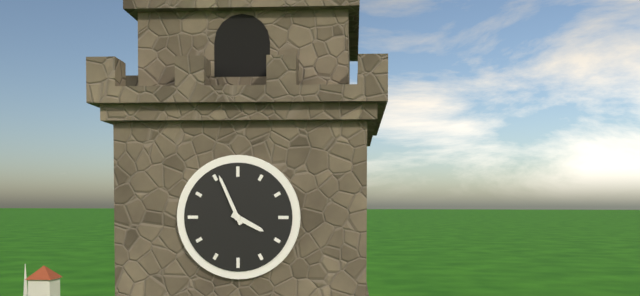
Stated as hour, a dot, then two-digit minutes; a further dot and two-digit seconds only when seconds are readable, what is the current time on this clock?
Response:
3.56
